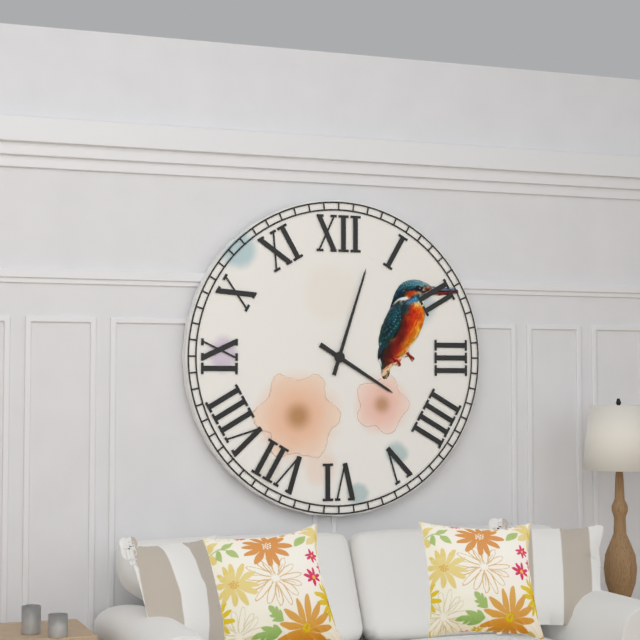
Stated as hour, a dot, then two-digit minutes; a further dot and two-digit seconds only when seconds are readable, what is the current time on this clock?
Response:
4.03
